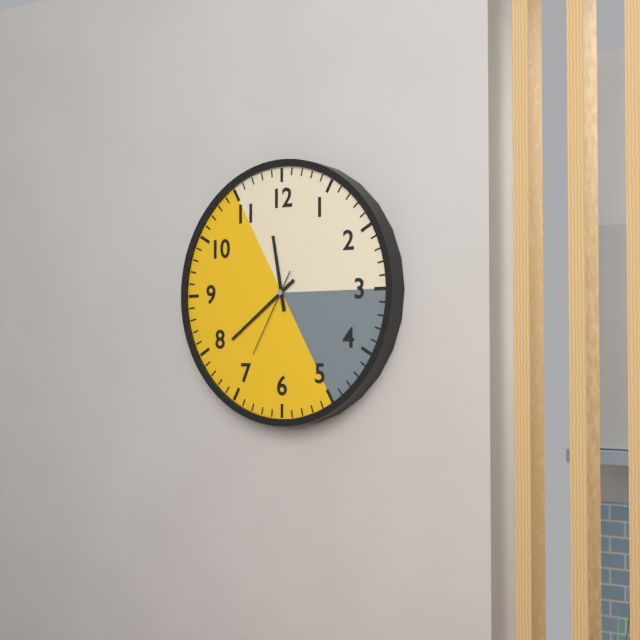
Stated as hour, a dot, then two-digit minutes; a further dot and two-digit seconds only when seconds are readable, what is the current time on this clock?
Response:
11.39.35
